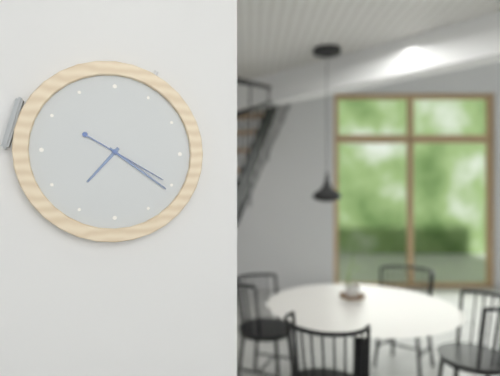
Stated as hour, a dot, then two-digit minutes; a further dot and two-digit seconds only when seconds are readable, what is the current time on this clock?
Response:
7.21.20
